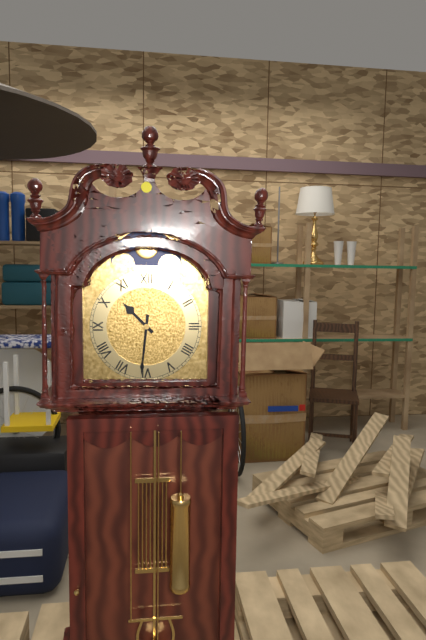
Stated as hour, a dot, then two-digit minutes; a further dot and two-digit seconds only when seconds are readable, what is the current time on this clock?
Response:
10.31
